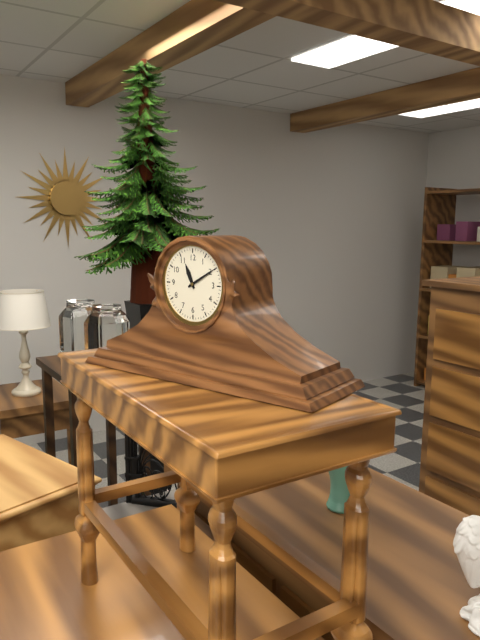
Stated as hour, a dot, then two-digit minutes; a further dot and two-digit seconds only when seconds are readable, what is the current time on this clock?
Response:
11.10
